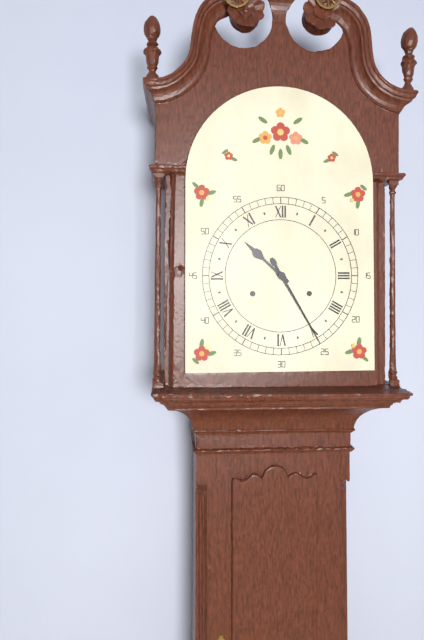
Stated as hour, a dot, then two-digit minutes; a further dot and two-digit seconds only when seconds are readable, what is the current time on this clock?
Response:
10.25
